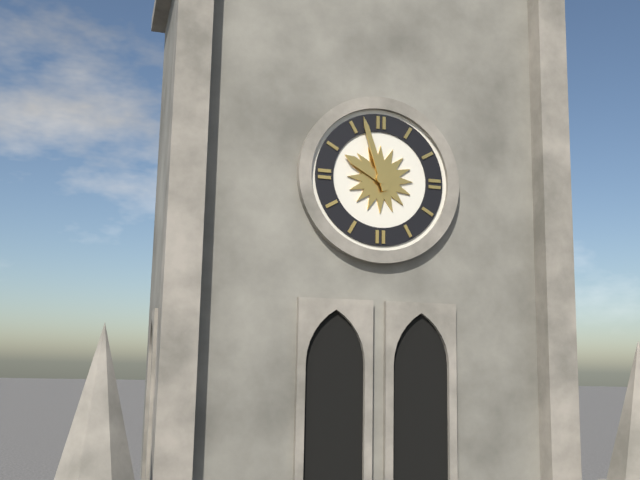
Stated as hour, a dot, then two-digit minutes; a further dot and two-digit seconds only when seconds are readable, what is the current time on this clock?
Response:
9.57
